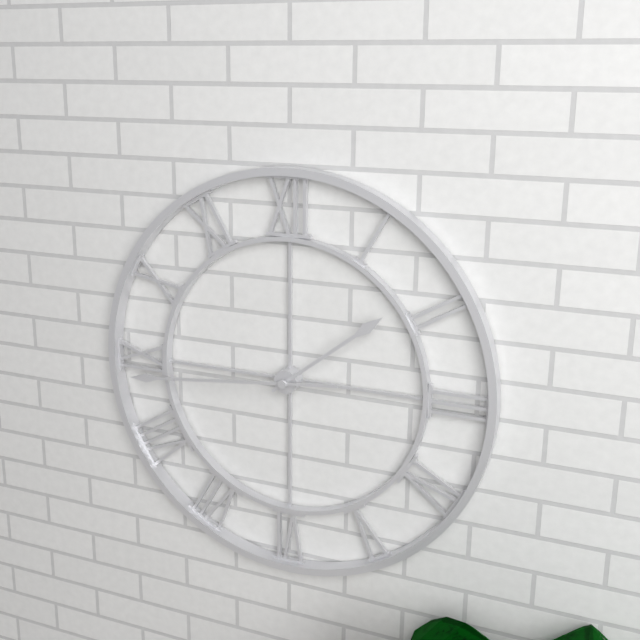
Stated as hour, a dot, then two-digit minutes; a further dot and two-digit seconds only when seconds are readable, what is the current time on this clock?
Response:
1.44
